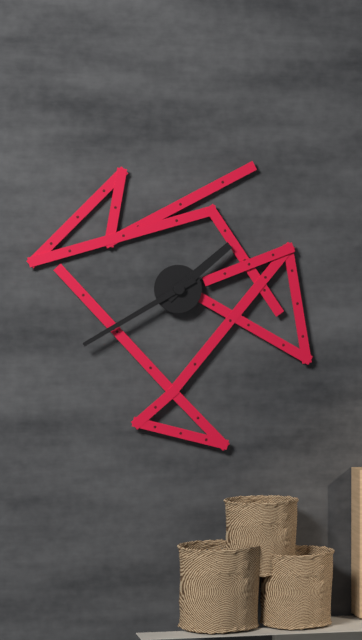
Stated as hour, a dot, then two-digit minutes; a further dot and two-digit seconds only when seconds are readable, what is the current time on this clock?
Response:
1.40
